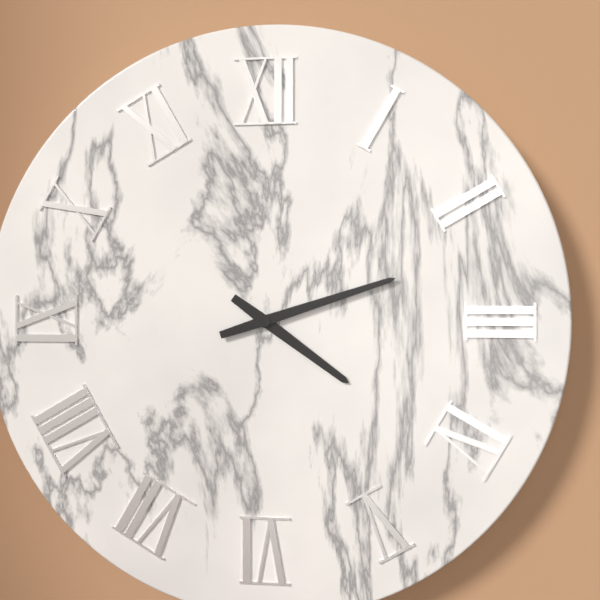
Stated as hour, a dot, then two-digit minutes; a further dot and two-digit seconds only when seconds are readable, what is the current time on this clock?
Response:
4.12
